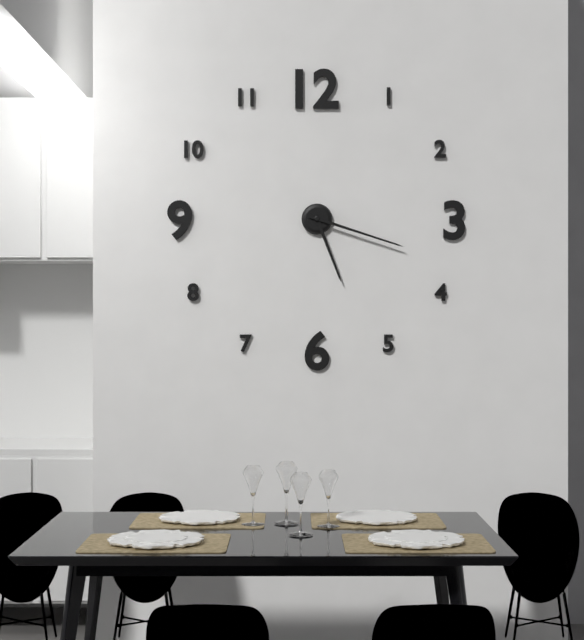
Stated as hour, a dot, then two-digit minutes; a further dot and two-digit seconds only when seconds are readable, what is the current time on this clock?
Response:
5.18
